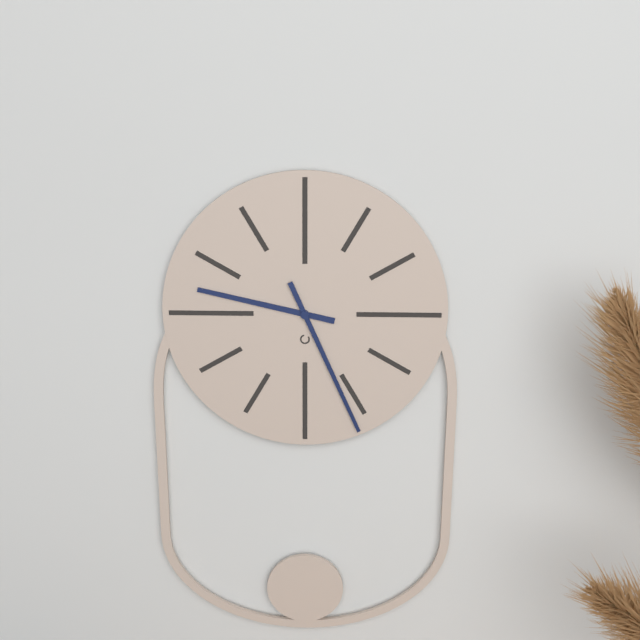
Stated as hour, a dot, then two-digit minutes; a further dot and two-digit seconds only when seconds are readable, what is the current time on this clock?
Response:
9.26
